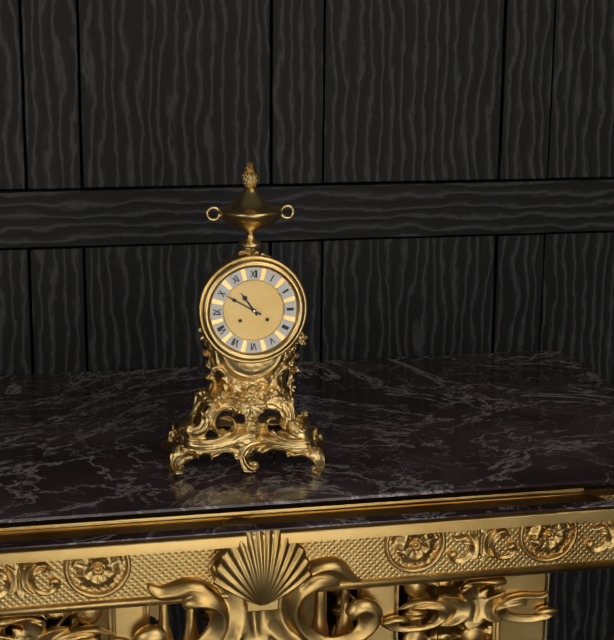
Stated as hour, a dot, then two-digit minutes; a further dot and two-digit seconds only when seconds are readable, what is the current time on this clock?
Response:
10.50
